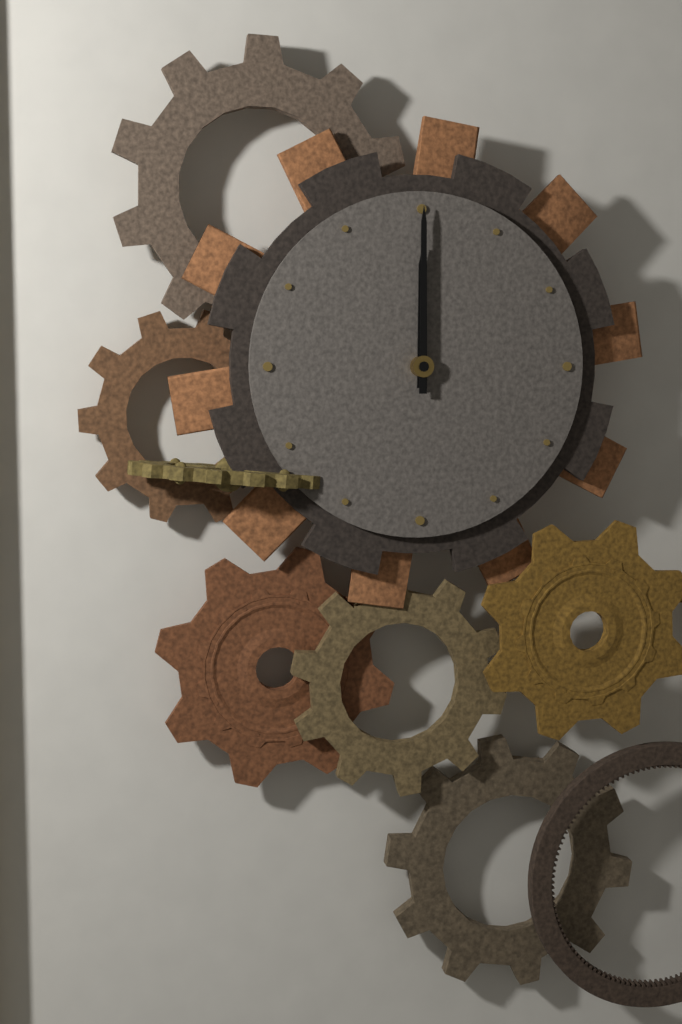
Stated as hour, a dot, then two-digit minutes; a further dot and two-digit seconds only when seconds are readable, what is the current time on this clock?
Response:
12.00
